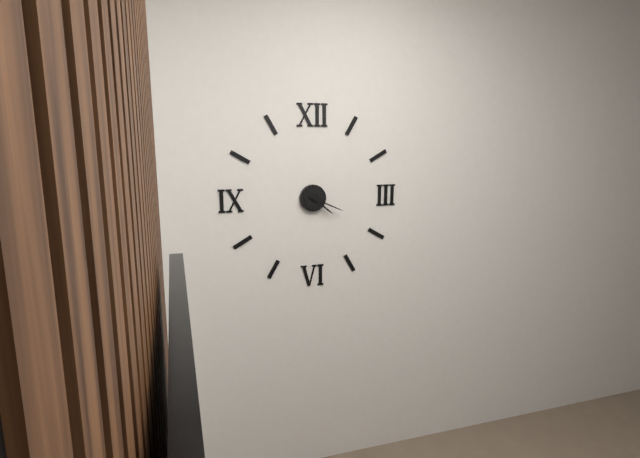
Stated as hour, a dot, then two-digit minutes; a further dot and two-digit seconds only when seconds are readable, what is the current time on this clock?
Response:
4.19
